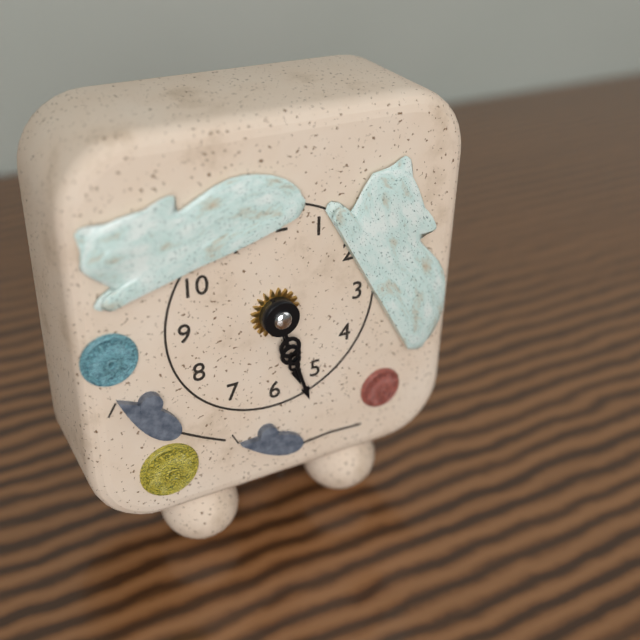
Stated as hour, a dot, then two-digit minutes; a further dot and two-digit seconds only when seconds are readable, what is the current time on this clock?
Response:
5.27
